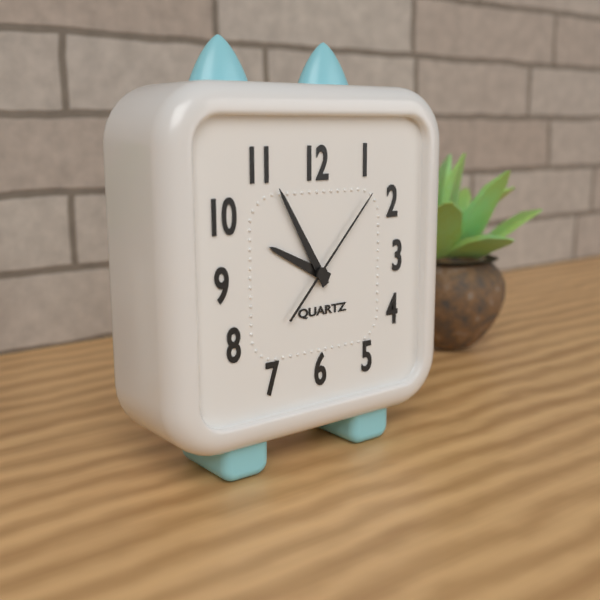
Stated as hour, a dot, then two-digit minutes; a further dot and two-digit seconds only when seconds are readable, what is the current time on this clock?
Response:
9.55.07
